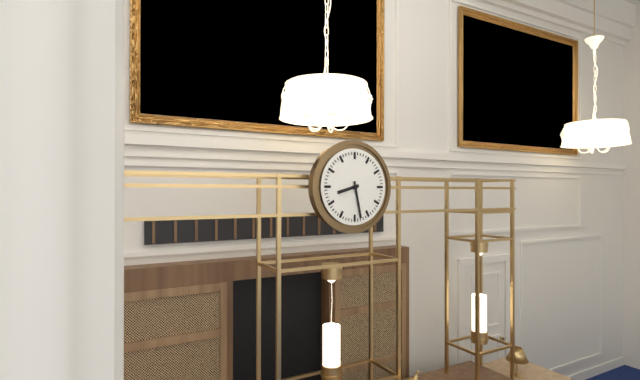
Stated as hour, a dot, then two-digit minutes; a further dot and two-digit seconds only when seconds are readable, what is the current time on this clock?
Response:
8.28
